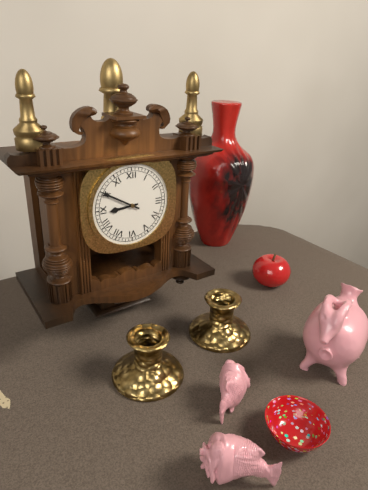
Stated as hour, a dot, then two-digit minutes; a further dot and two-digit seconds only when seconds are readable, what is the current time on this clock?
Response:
8.50
